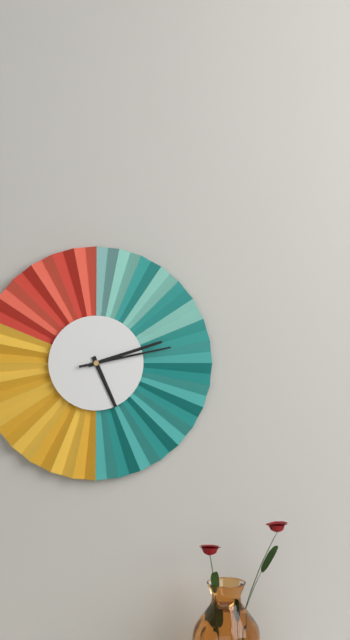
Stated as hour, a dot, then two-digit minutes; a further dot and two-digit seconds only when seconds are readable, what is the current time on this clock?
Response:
5.12.13
